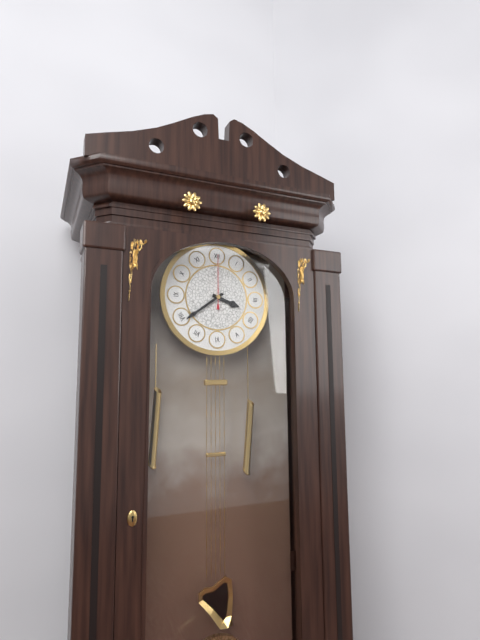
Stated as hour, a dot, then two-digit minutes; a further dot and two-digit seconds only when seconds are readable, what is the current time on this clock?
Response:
3.39.00
